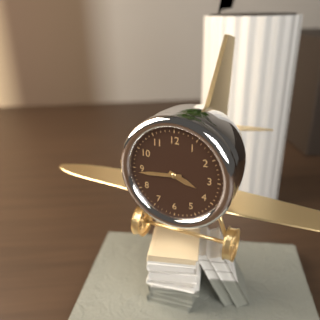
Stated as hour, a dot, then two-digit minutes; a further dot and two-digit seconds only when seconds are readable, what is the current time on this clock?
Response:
3.44
